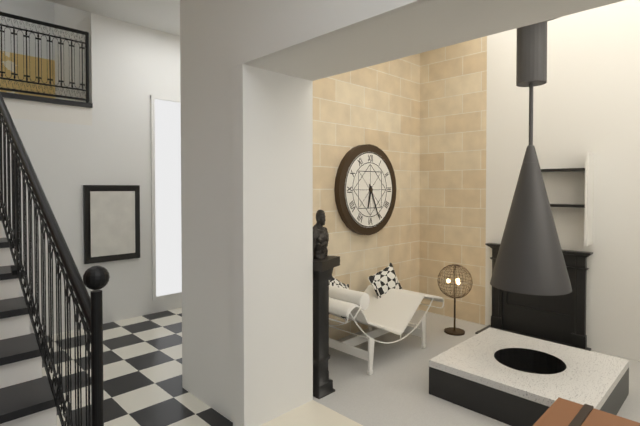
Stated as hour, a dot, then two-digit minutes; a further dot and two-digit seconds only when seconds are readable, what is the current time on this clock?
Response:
6.26
